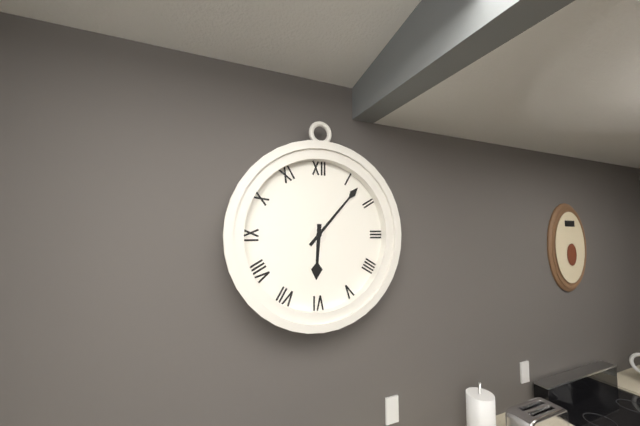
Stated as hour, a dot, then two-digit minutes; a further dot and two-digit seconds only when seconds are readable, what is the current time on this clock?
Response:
6.07
